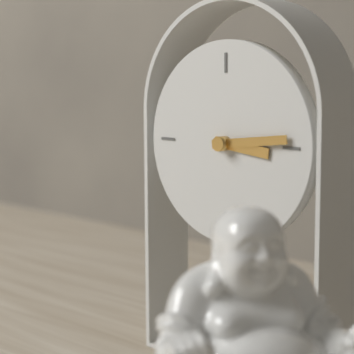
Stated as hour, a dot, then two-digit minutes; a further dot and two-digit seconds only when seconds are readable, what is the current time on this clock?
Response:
3.14
